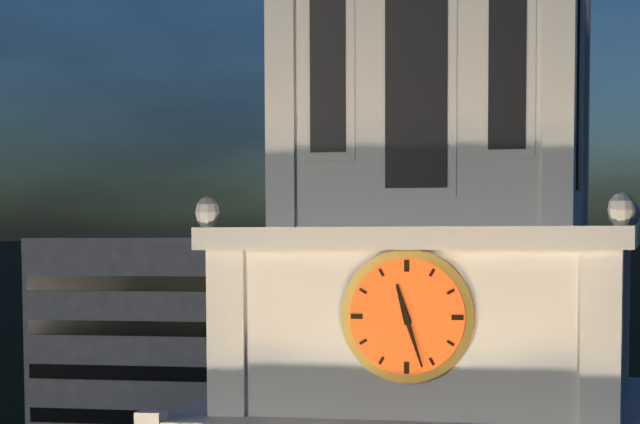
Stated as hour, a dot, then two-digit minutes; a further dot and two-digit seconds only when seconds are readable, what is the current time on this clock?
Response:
11.27
